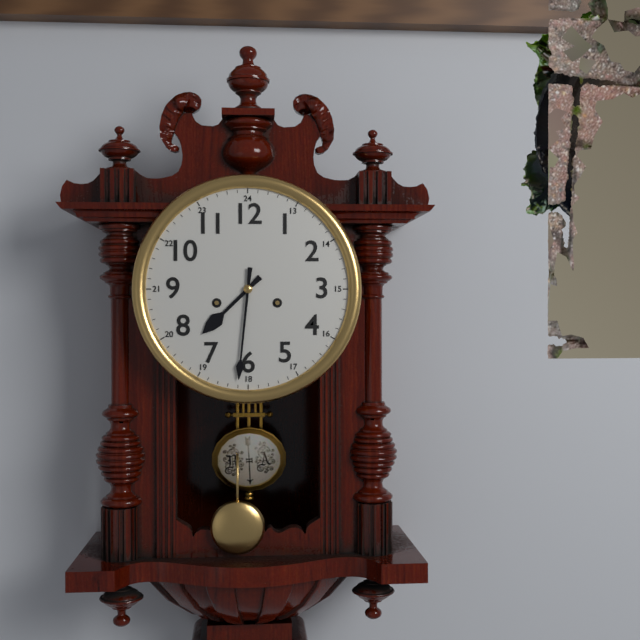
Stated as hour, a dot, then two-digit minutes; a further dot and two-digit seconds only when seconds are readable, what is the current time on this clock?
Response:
7.31
